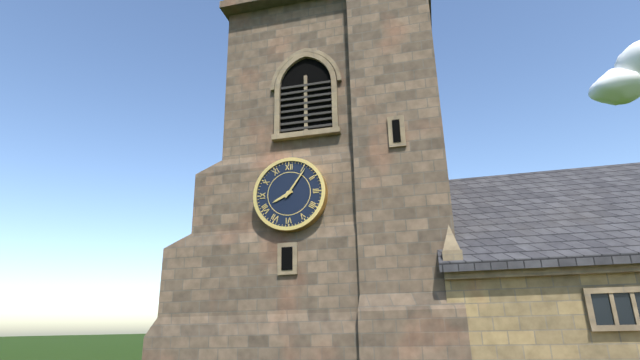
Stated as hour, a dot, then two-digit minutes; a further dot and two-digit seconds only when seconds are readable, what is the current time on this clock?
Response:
8.06
